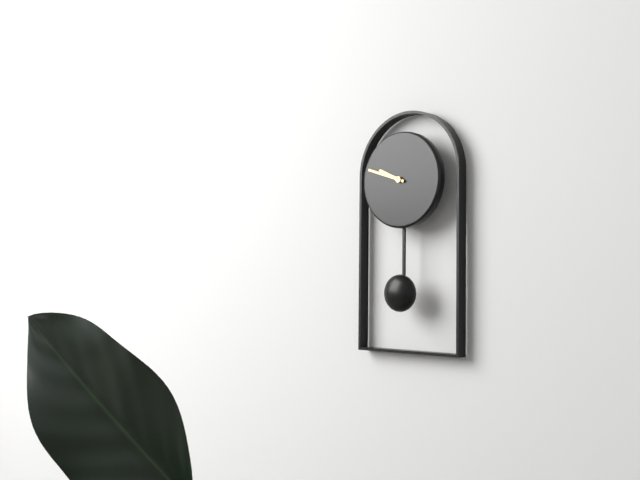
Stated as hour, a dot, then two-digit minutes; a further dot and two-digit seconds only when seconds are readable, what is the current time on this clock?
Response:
9.48
